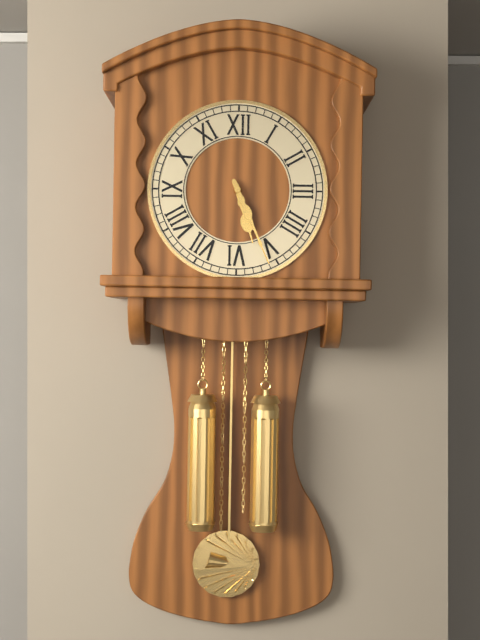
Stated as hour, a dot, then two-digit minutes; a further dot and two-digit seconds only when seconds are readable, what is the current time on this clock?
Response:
5.26
